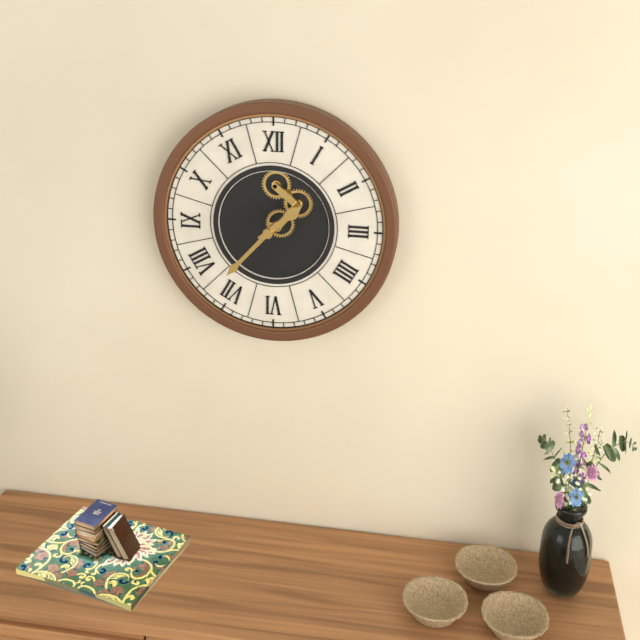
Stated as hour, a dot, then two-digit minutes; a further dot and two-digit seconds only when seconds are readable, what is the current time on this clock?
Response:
1.37
